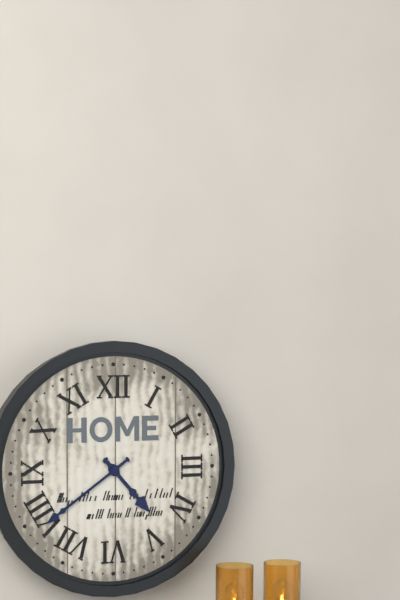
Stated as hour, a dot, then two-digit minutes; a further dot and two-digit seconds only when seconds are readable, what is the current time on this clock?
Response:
4.39
